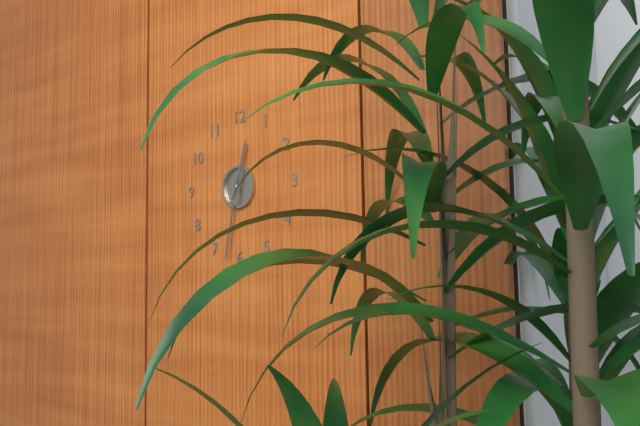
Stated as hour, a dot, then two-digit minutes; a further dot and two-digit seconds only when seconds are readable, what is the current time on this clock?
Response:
12.32
